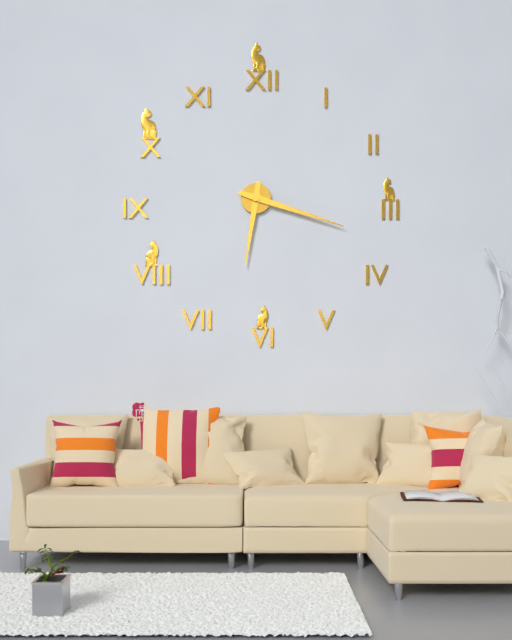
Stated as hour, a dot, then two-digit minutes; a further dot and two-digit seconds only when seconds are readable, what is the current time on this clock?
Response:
6.18
